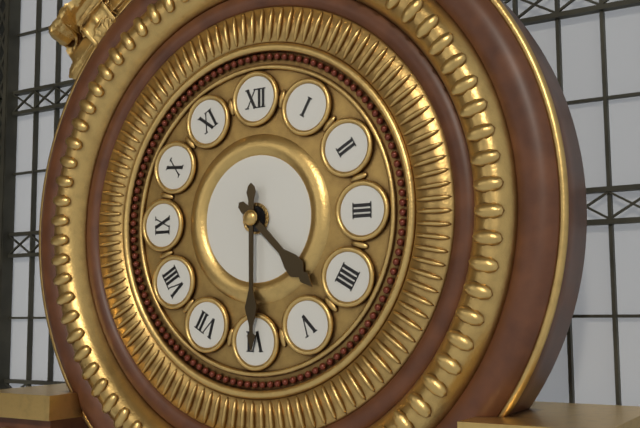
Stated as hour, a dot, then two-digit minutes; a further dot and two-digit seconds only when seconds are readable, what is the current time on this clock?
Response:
4.30
